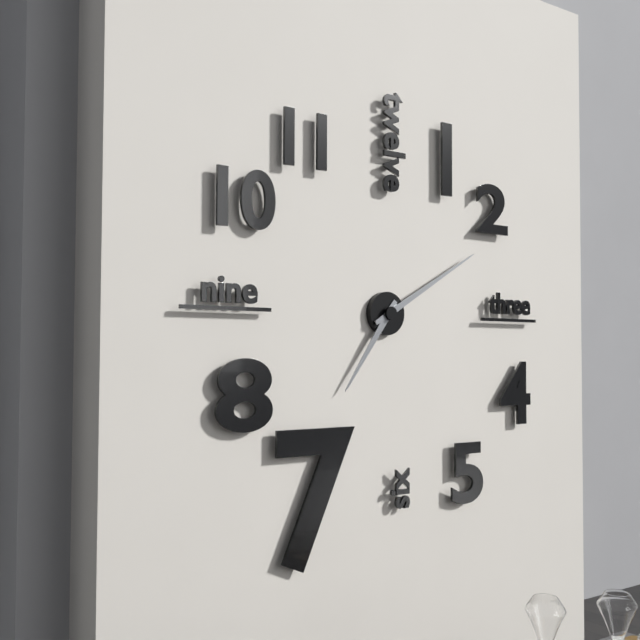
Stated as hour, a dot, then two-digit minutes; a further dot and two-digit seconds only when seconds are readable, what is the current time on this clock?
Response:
7.10
